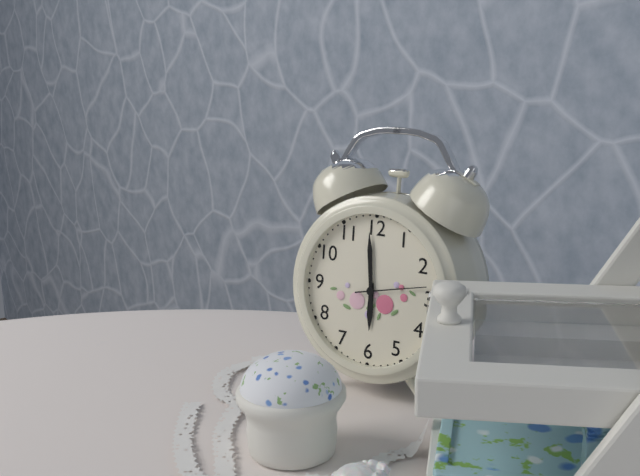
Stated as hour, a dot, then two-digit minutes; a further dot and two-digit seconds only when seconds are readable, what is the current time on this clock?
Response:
5.59.13
